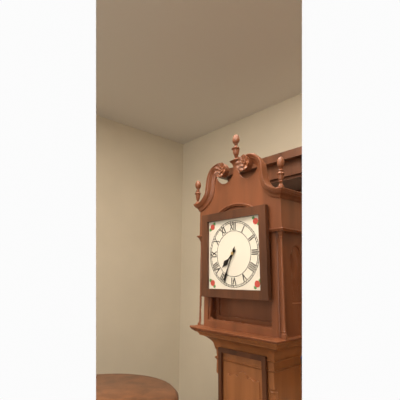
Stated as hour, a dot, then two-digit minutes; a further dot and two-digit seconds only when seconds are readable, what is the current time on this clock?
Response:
7.34
